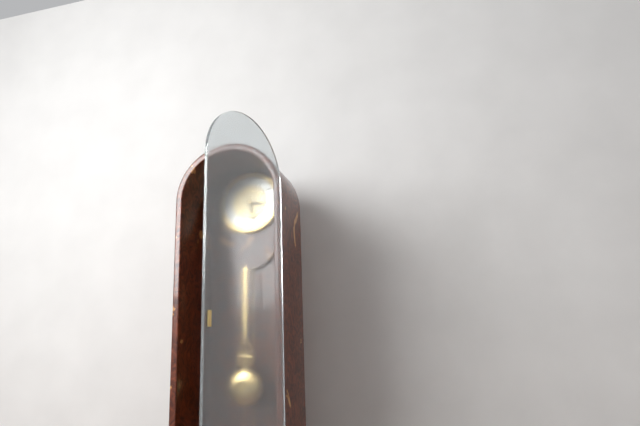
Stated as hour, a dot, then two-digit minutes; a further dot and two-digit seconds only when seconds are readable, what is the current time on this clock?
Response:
3.28
